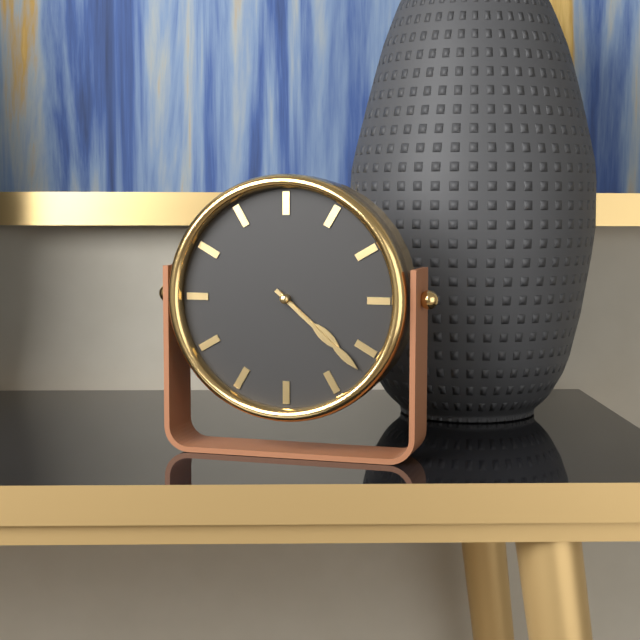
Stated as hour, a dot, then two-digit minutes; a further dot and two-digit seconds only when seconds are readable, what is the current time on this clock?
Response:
4.22
